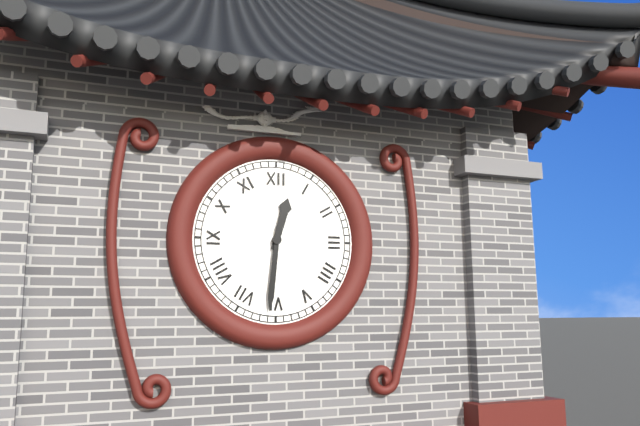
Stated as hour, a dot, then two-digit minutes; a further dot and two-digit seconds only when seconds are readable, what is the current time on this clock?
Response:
12.31
